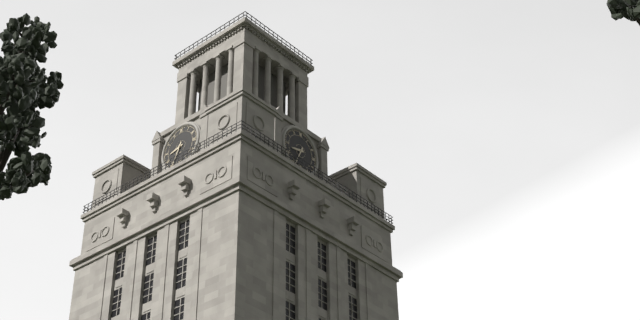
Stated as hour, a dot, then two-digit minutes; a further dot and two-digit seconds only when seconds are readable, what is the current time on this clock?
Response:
8.34
